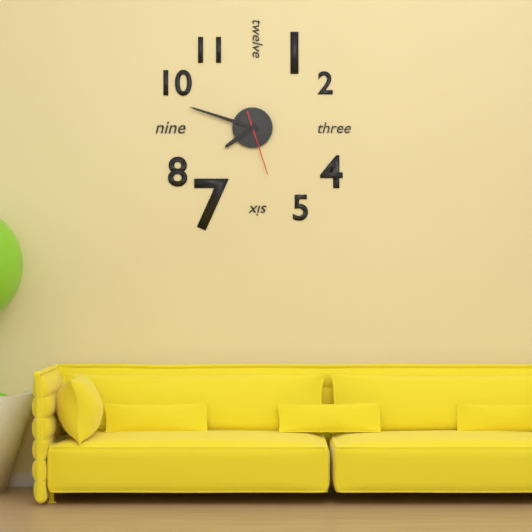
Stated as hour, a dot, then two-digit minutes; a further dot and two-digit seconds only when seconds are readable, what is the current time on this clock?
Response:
7.48.27
